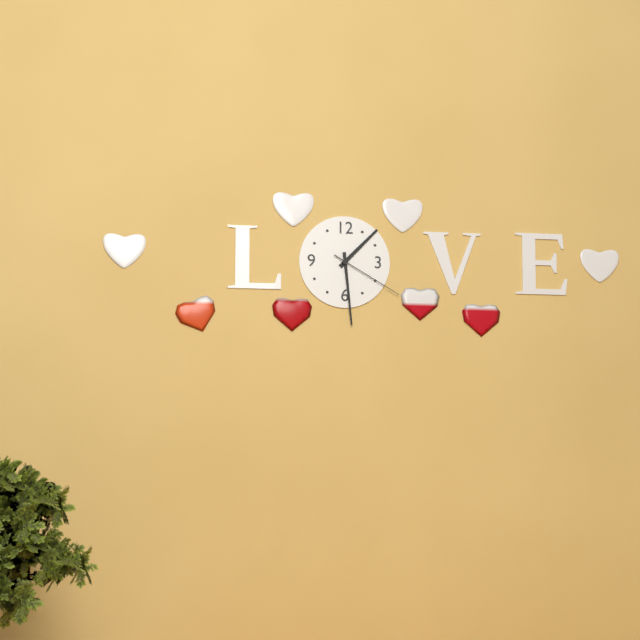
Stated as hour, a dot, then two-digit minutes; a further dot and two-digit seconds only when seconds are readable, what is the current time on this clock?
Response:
1.29.20
